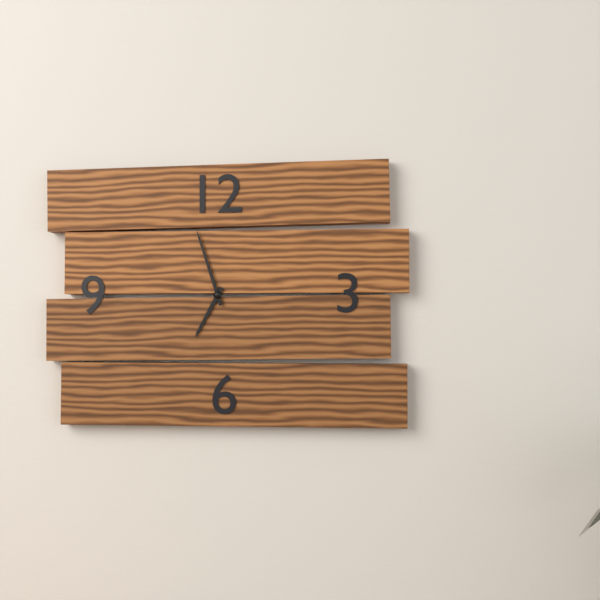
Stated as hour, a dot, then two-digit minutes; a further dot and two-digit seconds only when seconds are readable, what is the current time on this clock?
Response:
6.57
